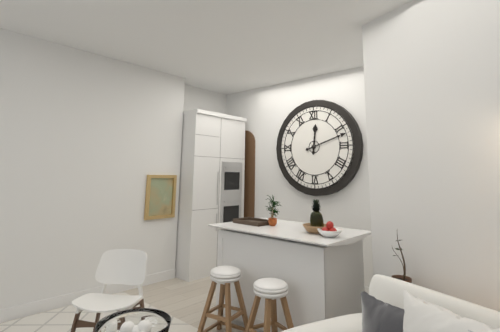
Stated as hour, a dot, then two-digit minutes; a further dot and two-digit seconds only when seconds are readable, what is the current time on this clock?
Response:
12.12
